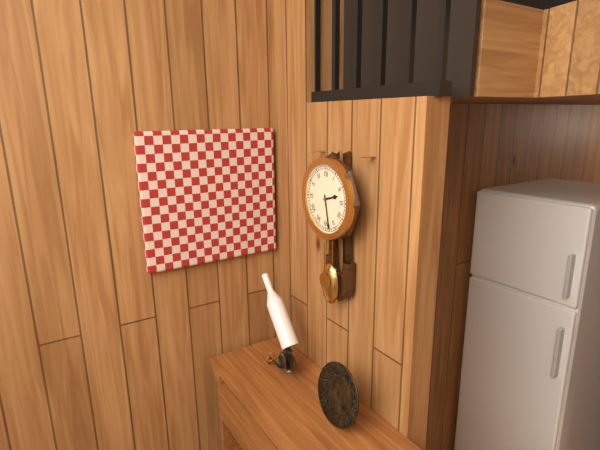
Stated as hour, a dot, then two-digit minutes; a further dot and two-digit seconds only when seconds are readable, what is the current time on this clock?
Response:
2.28
